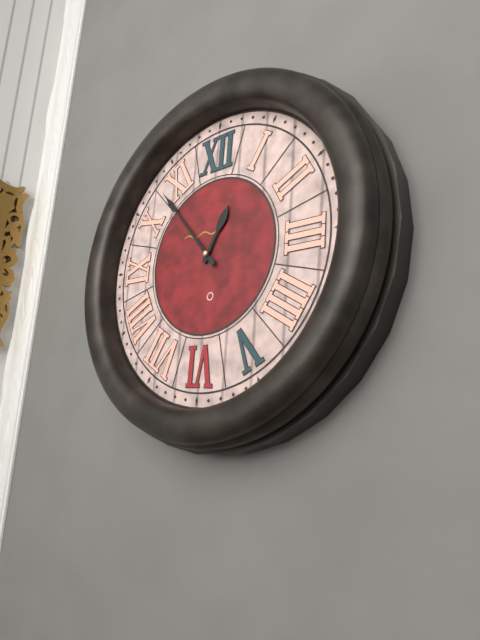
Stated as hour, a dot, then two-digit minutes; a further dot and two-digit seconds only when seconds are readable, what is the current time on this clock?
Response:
12.53
